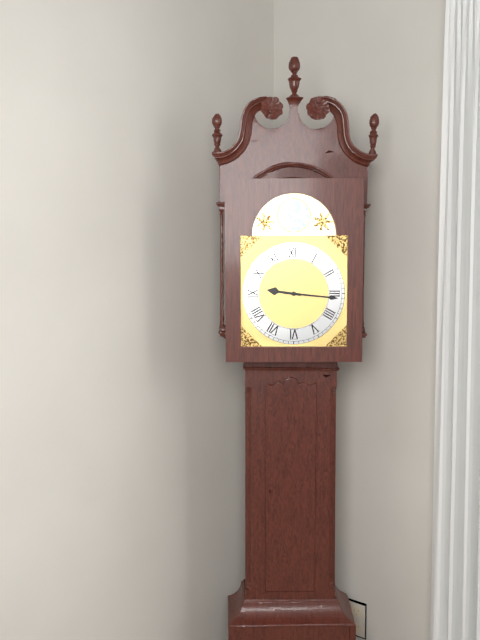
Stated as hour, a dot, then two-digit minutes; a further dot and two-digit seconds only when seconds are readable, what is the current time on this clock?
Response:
9.16
